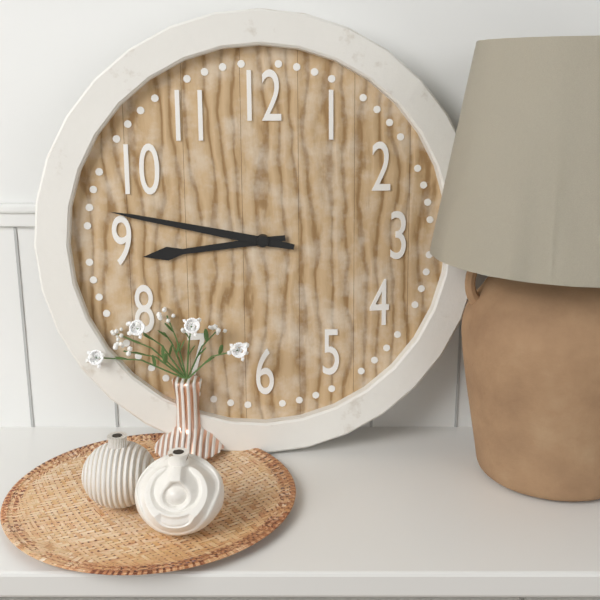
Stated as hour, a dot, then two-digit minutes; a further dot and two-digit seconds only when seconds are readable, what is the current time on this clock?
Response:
8.47
